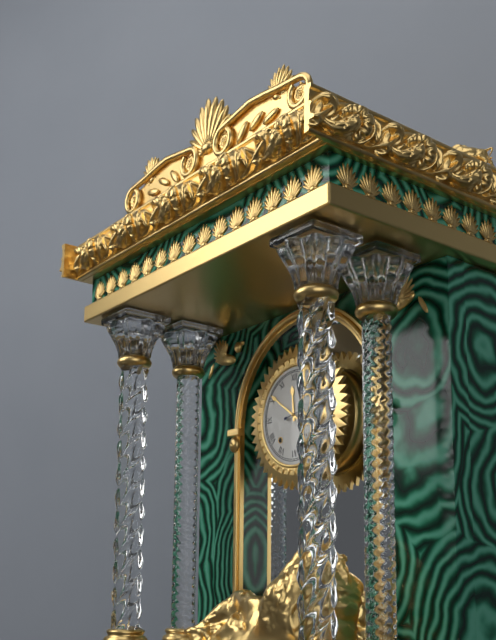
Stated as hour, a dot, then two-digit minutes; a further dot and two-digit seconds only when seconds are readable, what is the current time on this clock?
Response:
11.51
